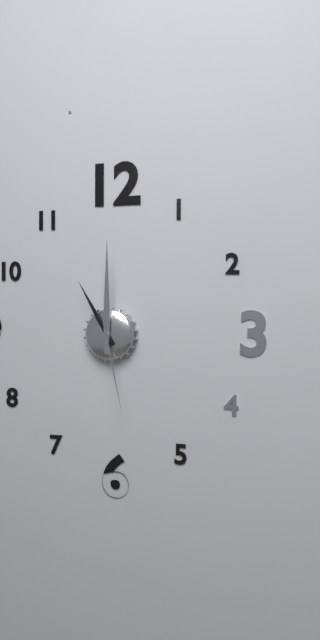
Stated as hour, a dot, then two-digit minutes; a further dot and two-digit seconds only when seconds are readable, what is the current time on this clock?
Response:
11.00.28
